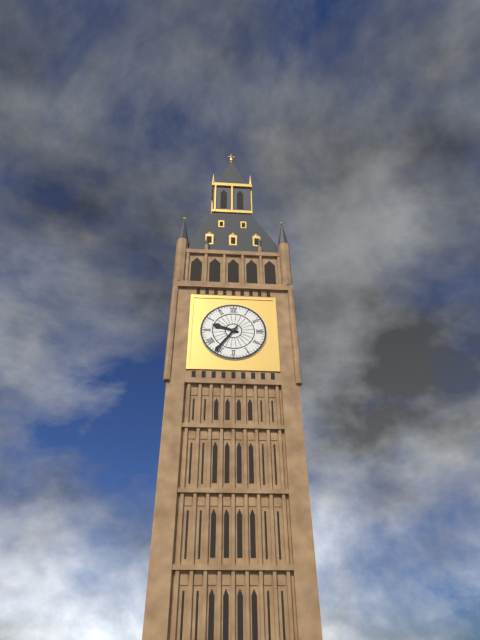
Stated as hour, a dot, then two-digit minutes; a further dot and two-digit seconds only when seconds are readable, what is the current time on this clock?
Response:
9.36
